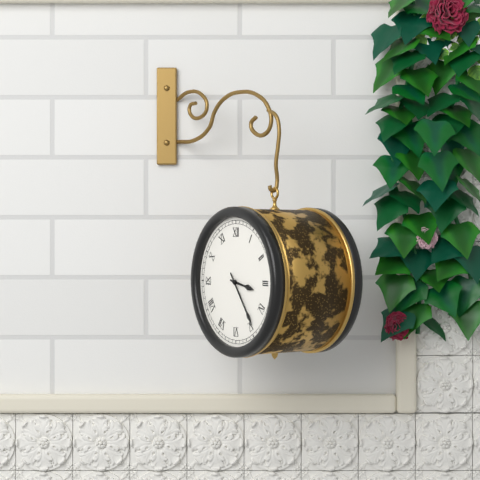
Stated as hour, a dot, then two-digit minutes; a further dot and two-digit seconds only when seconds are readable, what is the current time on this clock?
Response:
3.24
